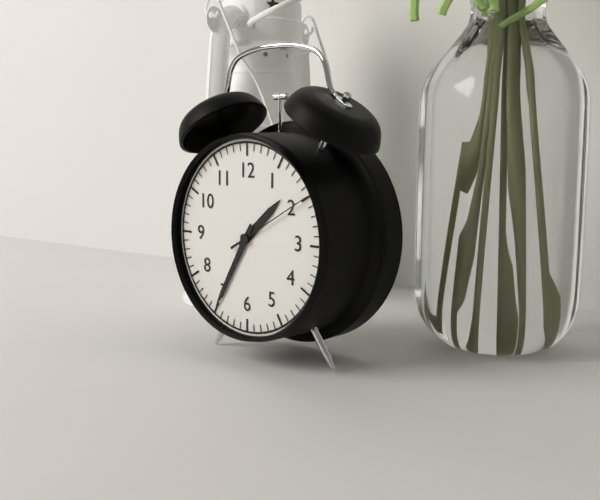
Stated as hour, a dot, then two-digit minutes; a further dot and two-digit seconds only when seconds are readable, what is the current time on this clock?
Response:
1.35.10
